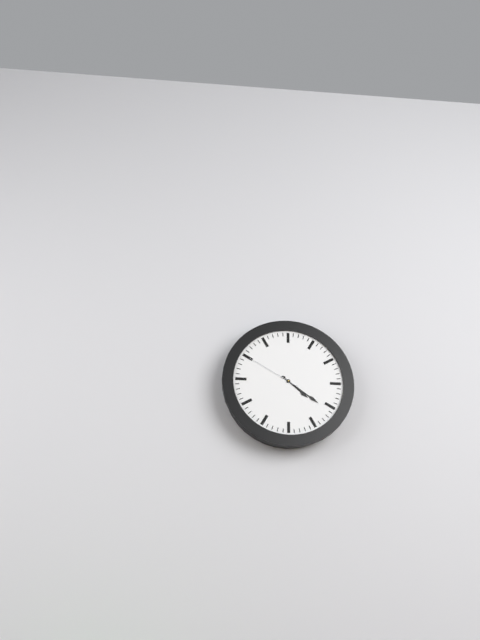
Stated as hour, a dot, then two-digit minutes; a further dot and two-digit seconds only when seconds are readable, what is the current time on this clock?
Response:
4.21.50
